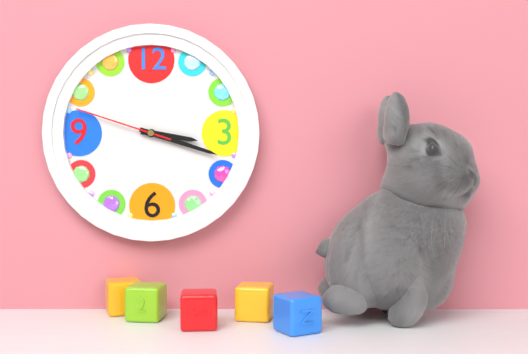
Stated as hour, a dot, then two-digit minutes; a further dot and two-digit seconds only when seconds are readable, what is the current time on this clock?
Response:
3.18.48
